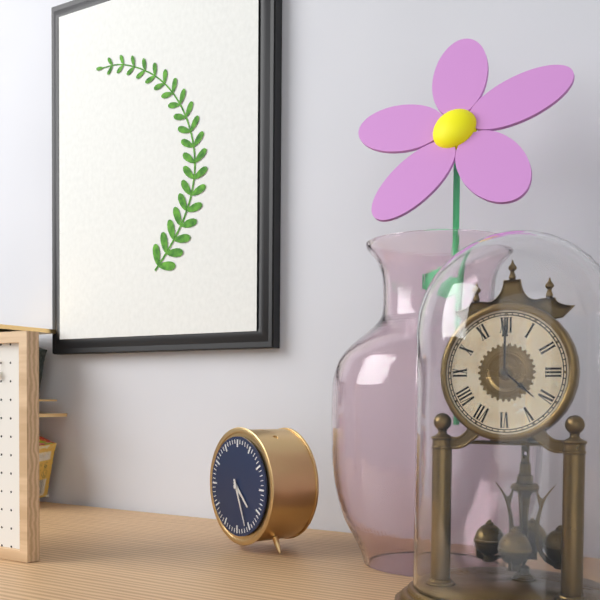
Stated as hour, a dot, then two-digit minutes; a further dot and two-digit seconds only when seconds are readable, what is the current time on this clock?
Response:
4.26
